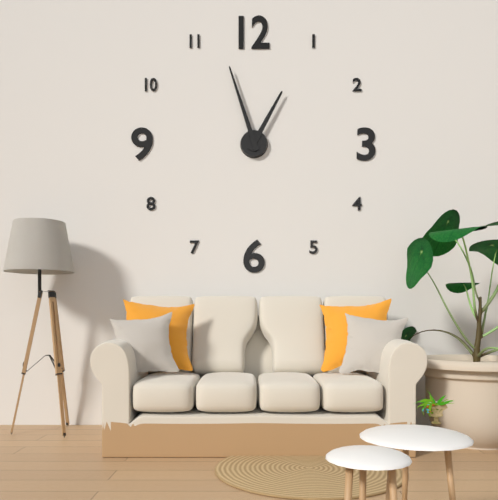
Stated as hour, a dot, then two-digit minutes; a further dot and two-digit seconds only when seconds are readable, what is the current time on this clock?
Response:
12.57
